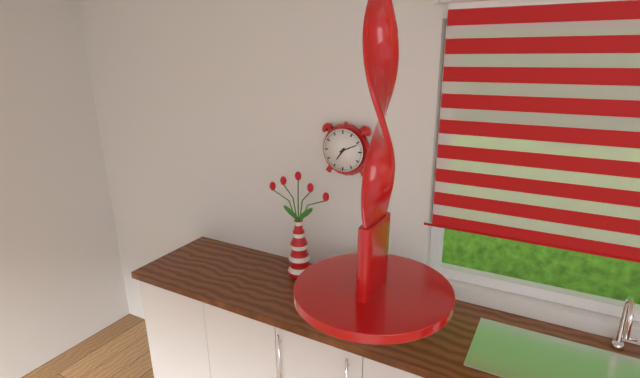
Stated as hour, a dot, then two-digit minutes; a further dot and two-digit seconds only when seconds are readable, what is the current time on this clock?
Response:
7.11
